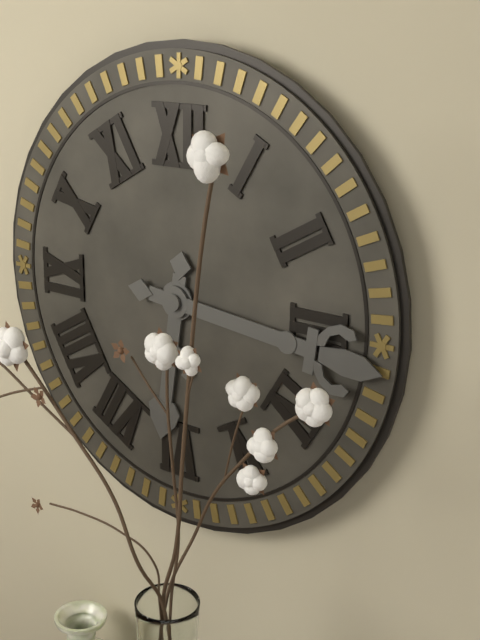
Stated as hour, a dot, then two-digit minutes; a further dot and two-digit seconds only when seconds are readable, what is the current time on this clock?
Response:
6.16
